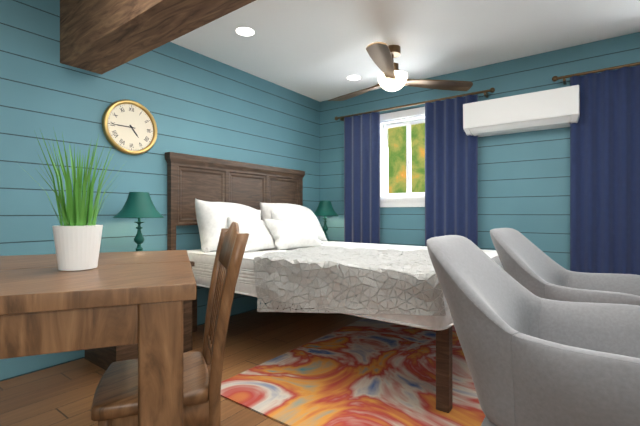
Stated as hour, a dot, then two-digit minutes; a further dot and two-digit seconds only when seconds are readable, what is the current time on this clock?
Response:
4.45
